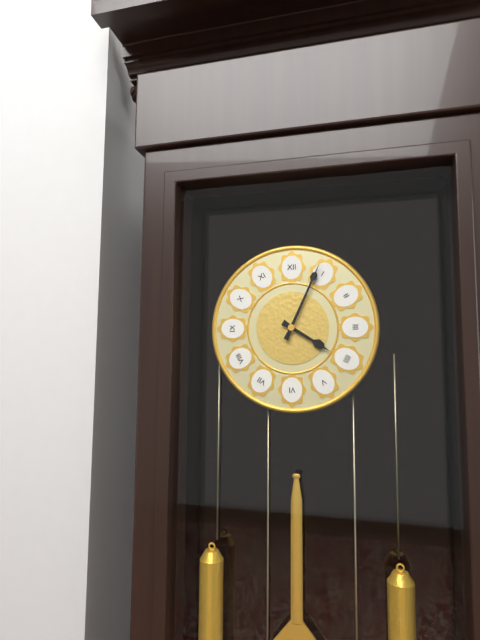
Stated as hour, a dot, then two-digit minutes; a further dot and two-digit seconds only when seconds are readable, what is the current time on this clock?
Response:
4.04
